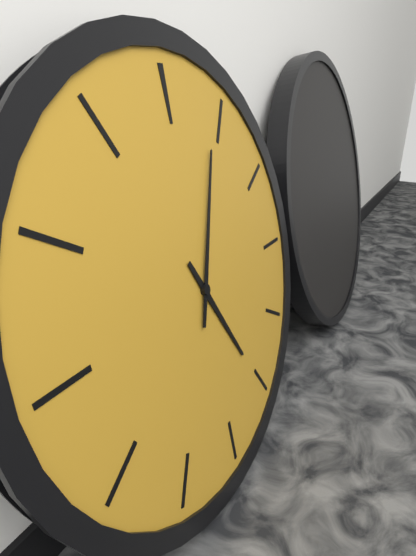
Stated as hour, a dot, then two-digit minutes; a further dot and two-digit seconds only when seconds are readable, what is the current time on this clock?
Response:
5.04
